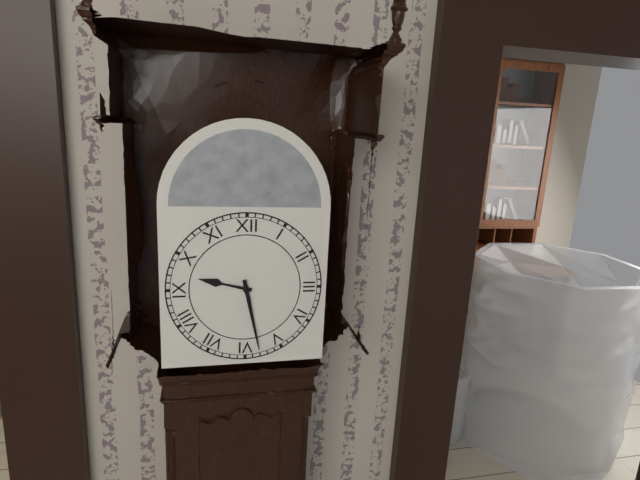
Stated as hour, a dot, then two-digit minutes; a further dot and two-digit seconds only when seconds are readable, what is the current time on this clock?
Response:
9.28
